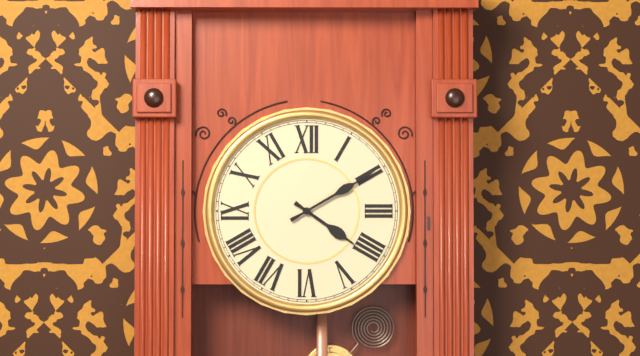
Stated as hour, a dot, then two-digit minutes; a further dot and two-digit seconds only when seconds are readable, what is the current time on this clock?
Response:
4.10
